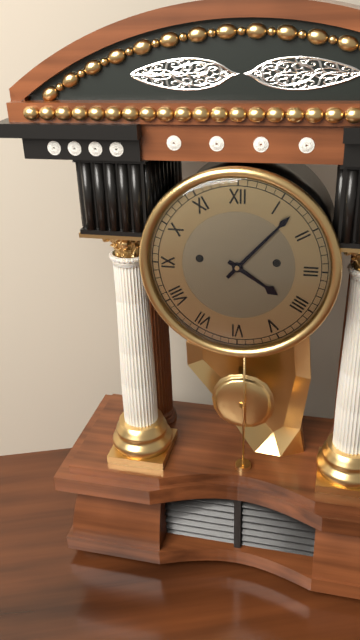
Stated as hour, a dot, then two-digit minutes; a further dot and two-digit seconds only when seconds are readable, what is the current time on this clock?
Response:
4.07
